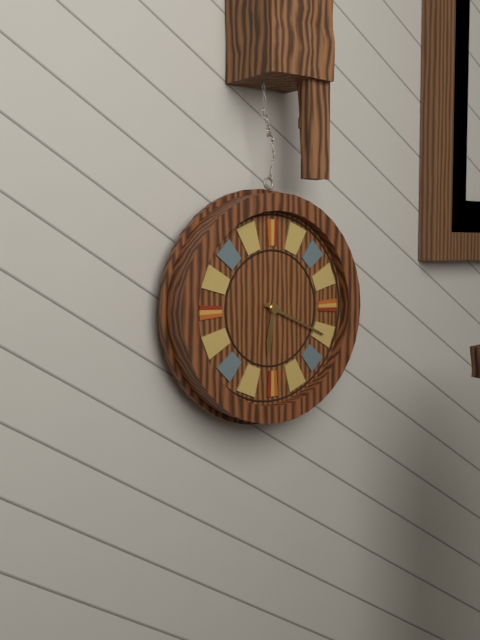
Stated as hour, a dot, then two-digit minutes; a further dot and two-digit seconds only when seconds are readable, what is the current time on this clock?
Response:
6.19
